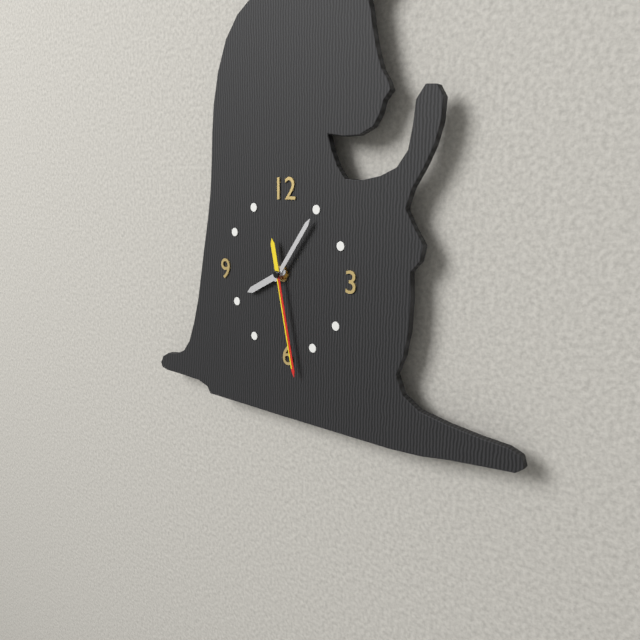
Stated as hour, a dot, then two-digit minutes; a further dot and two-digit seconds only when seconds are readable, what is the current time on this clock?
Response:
8.06.28
